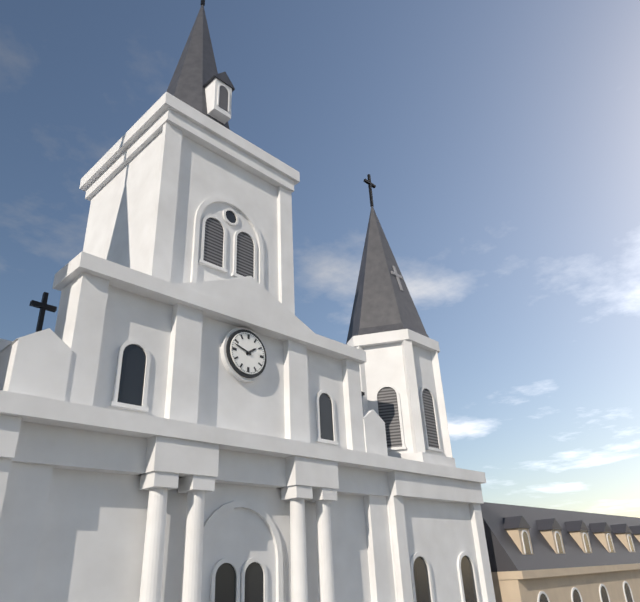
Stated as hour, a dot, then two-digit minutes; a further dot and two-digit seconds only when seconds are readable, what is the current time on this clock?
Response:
1.48
